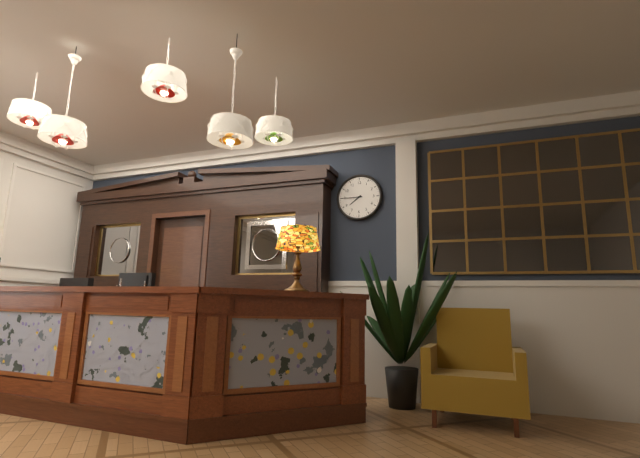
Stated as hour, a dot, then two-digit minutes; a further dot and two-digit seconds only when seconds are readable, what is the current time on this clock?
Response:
7.45
